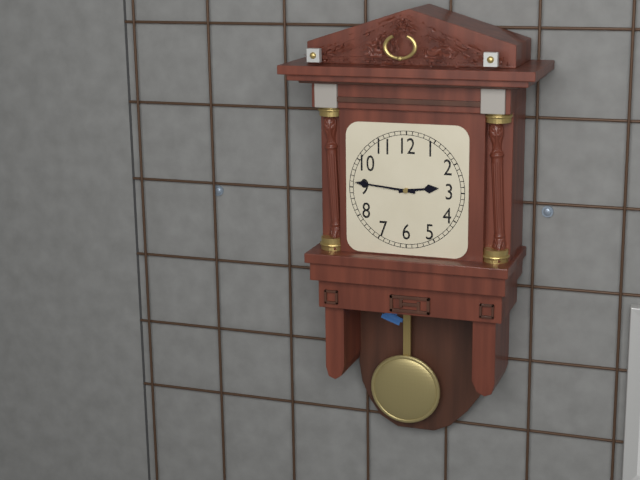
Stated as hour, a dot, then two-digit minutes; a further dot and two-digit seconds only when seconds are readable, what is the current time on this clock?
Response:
2.46
